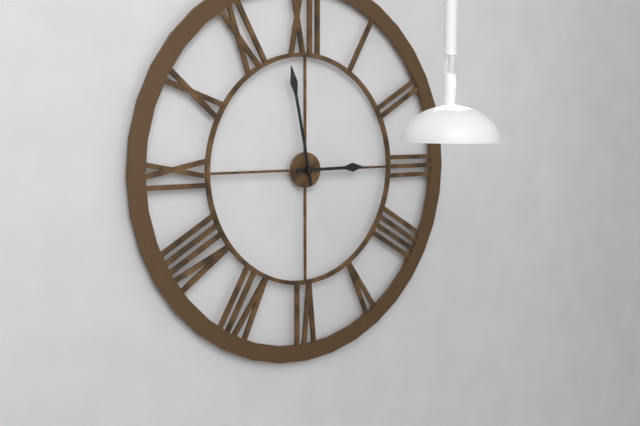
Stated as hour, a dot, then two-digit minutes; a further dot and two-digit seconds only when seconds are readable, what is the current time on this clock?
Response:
2.58
